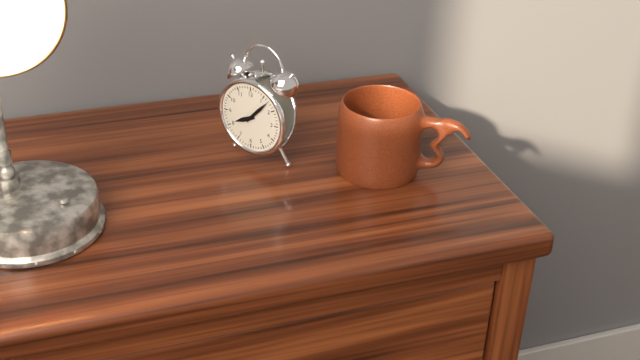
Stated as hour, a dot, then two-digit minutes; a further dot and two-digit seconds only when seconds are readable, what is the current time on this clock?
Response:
8.07
